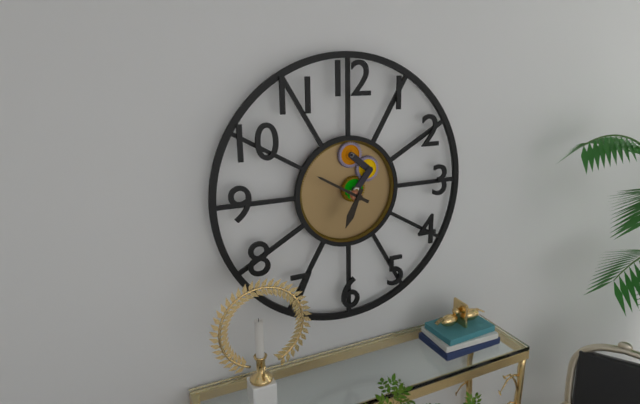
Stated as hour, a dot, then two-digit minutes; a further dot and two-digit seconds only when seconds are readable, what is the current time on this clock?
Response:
6.50
